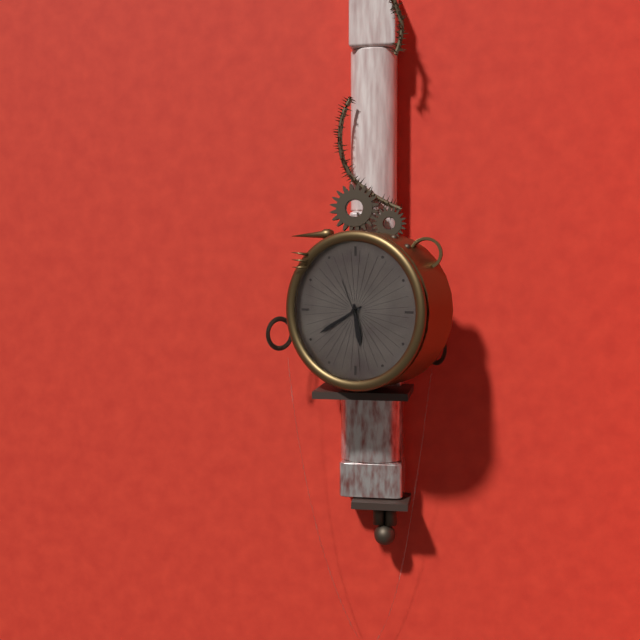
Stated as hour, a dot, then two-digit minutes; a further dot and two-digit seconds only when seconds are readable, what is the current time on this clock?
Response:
5.40
